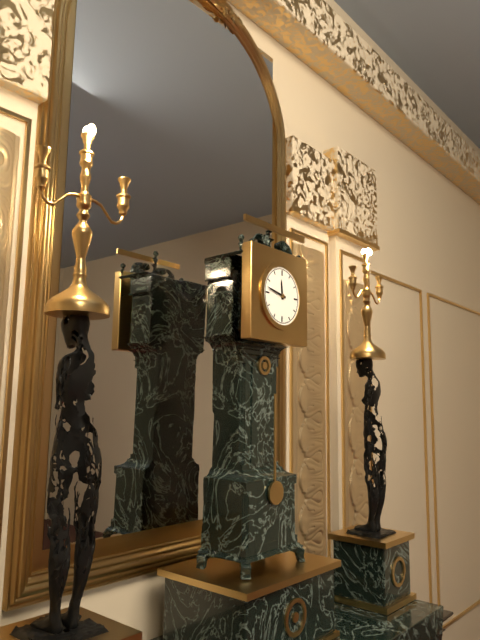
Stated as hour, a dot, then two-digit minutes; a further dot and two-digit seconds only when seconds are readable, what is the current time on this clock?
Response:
11.47
